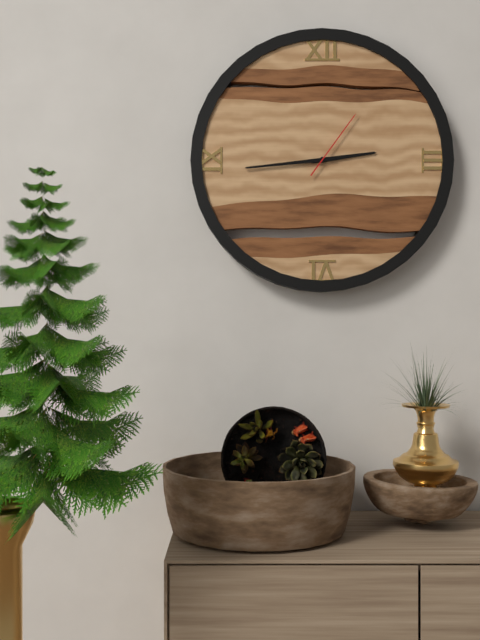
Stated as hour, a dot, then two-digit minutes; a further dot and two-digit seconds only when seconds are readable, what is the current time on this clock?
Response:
2.44.06
